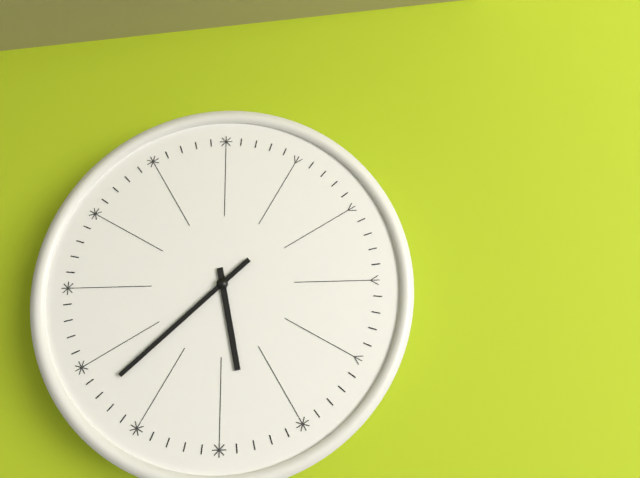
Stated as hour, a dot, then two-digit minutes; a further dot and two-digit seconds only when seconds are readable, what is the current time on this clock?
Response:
5.38
